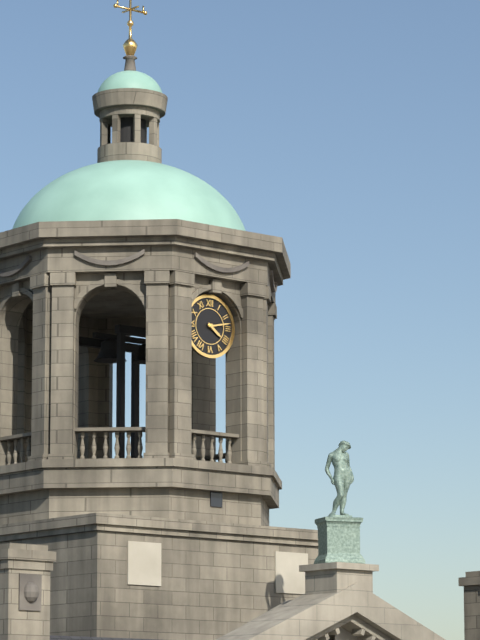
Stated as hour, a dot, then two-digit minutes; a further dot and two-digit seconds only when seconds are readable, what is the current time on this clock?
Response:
4.13
